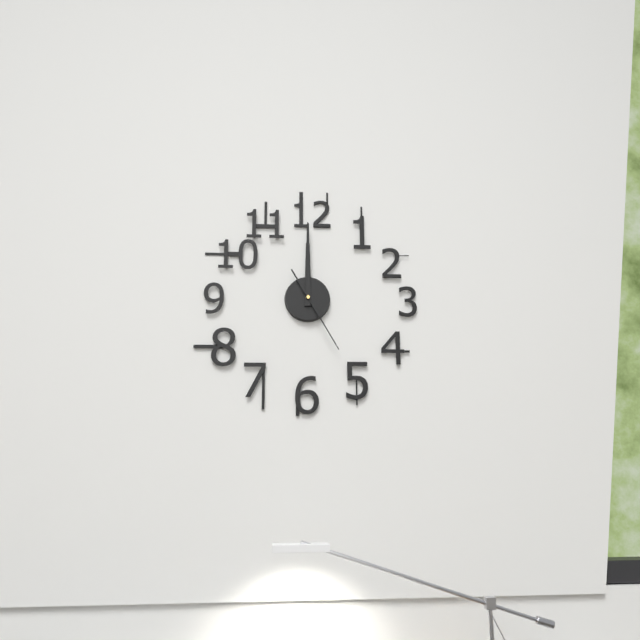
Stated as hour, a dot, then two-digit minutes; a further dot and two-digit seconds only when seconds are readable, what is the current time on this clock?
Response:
12.00.25
